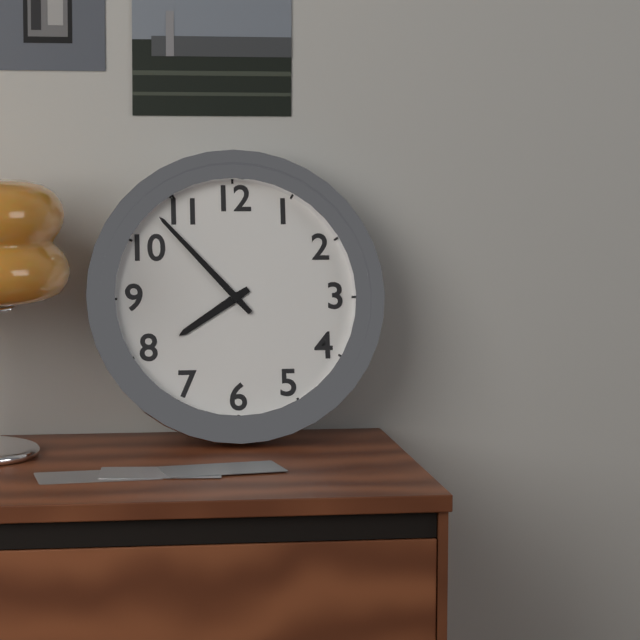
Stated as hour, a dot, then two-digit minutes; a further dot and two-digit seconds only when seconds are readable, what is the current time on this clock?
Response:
7.53
